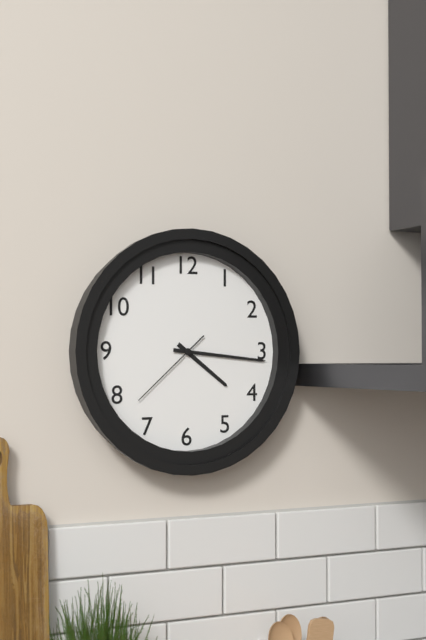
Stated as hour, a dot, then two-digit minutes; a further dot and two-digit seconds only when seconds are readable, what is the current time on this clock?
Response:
4.16.38
